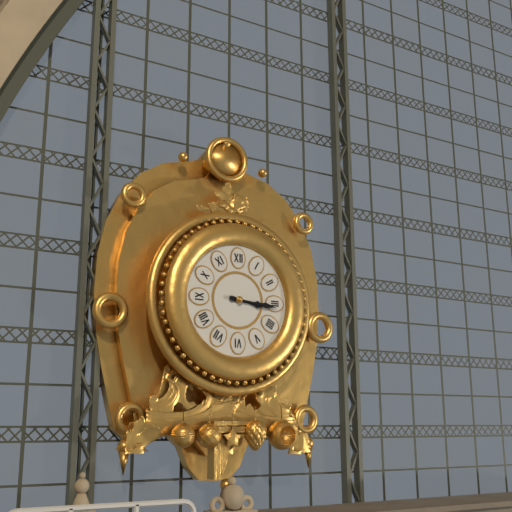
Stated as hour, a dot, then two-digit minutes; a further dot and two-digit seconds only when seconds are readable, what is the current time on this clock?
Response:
3.16
